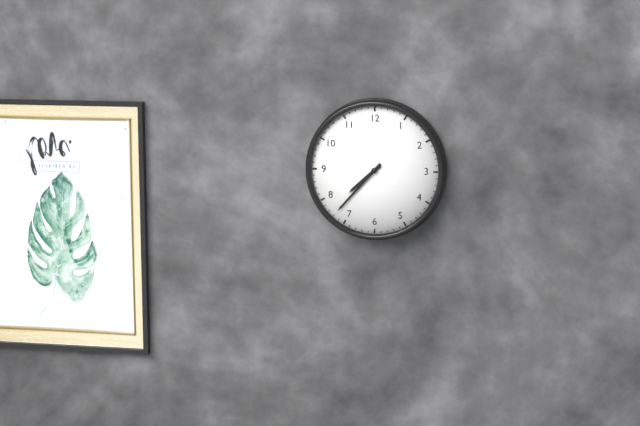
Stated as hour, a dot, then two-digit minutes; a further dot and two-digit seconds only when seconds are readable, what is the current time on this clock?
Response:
7.37
